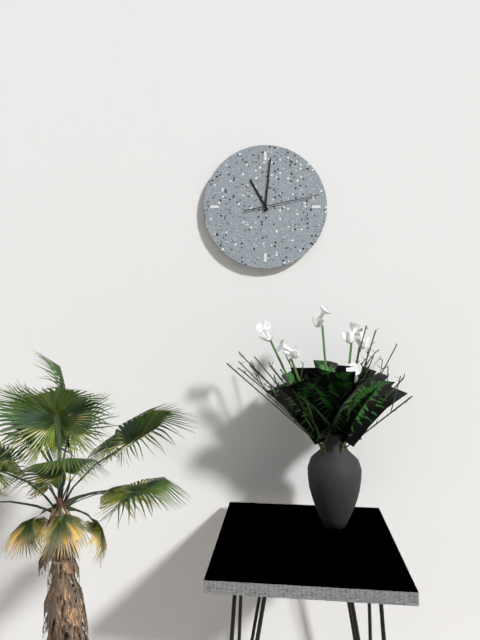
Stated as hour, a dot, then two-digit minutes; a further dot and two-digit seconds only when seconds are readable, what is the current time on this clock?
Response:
11.01.13
